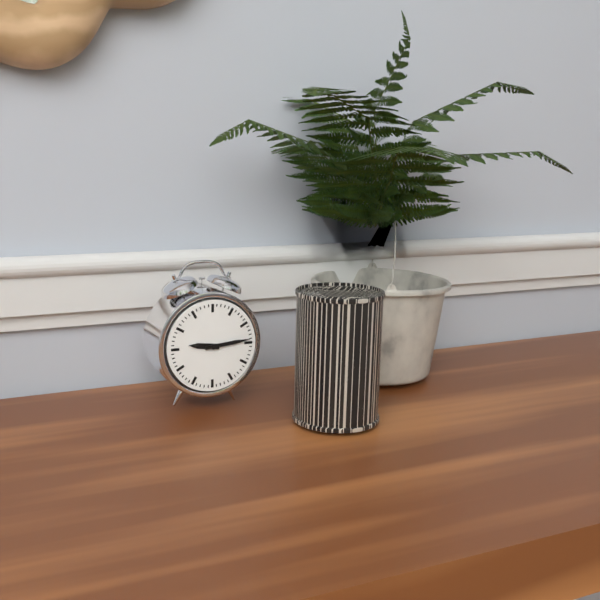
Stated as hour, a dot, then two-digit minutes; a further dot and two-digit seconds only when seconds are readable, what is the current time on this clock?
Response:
9.14
